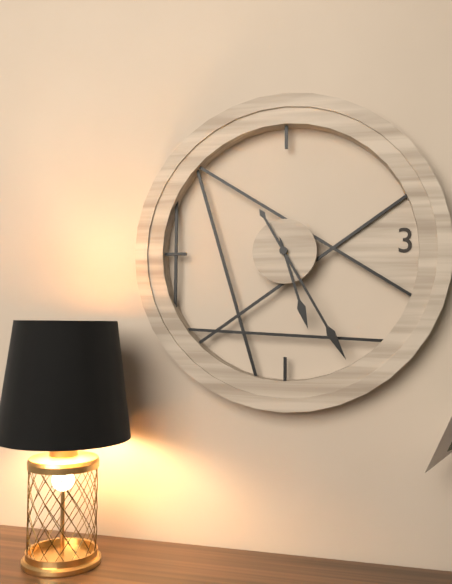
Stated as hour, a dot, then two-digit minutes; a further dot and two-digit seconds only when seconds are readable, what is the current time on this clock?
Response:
5.25
